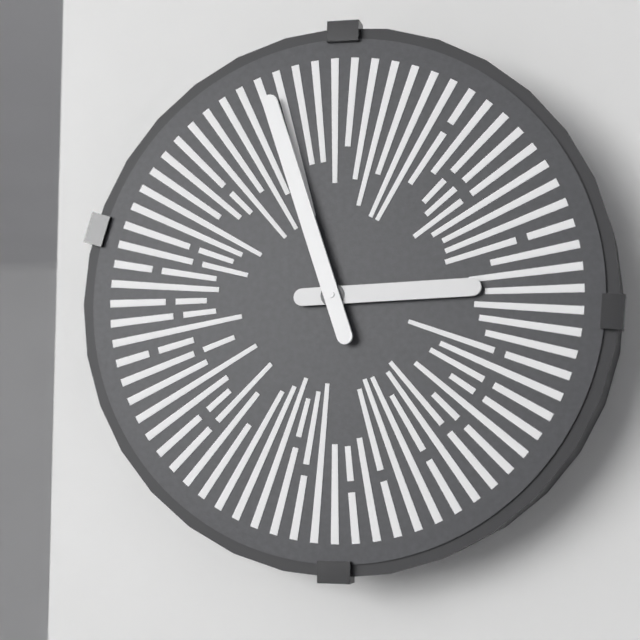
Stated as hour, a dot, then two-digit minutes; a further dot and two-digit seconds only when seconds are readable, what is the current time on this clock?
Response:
2.57
